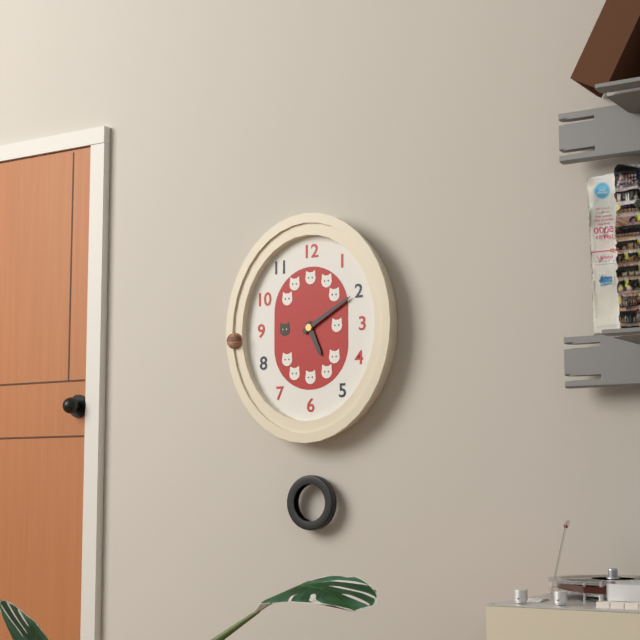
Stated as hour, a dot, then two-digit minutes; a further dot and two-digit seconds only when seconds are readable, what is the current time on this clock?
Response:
5.10
